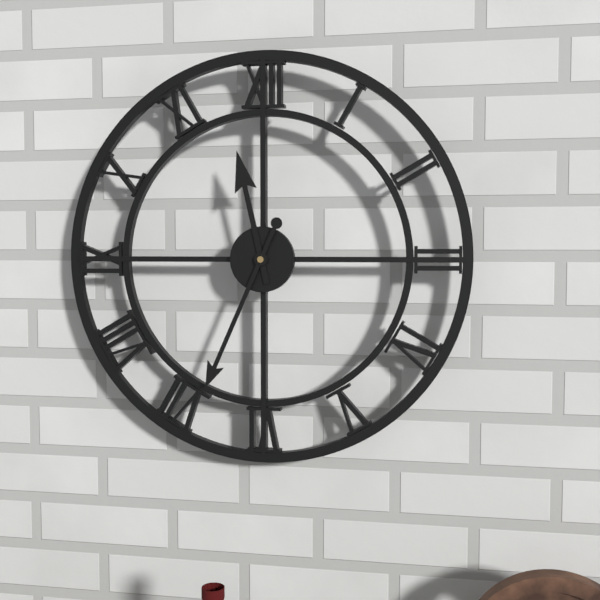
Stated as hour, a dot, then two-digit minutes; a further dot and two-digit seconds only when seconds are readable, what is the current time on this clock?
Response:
11.34
